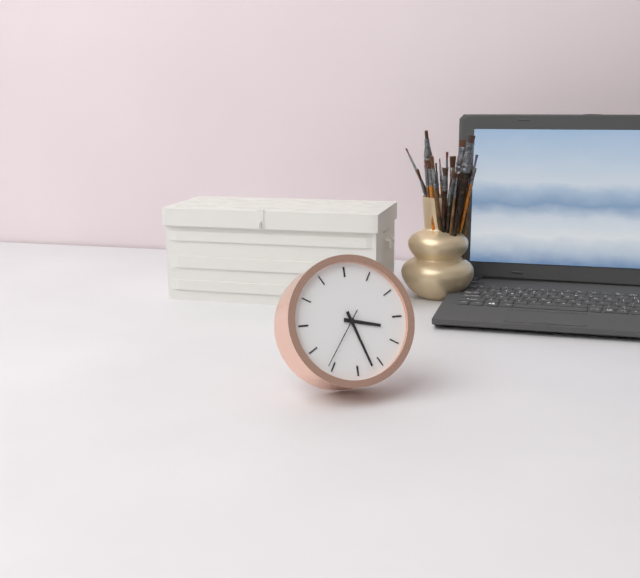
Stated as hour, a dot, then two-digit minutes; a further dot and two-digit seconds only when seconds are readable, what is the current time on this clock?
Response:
3.27.36
